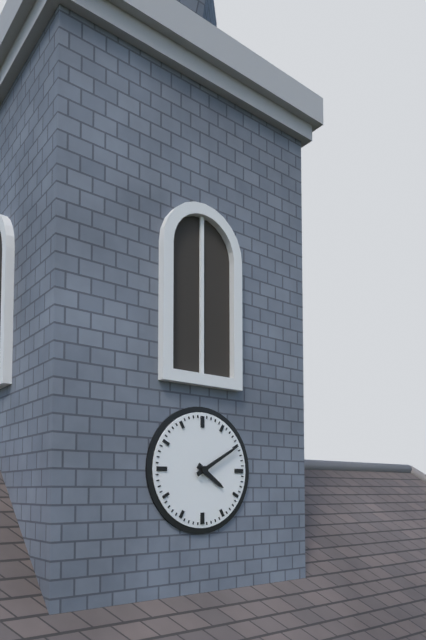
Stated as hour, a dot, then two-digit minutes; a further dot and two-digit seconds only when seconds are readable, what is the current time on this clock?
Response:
4.10
